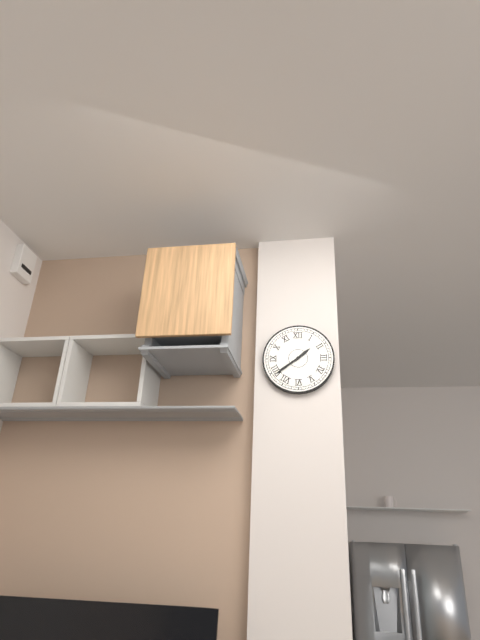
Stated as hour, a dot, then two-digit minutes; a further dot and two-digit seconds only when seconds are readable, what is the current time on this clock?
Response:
1.39
